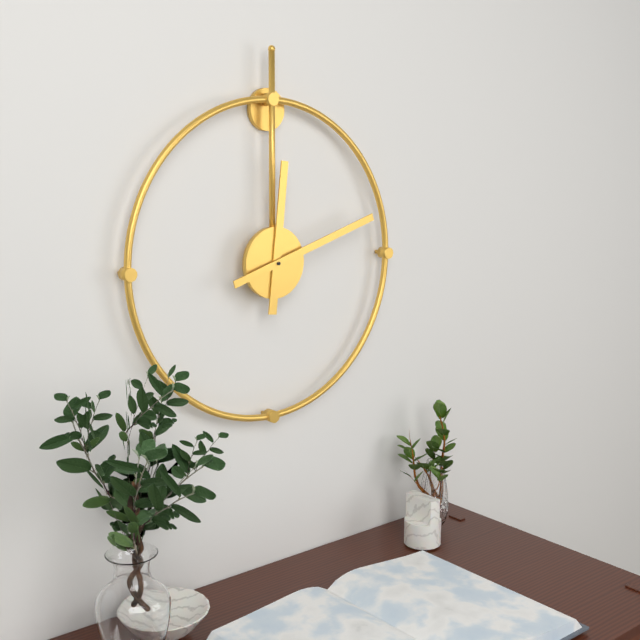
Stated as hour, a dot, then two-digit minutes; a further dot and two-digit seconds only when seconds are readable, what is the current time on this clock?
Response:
12.12
